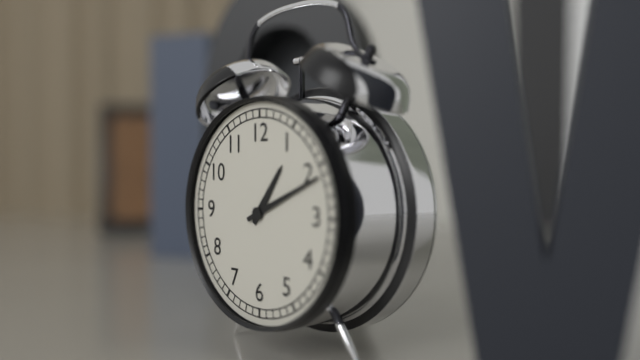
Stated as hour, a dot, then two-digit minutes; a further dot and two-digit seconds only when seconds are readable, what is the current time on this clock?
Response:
1.11
